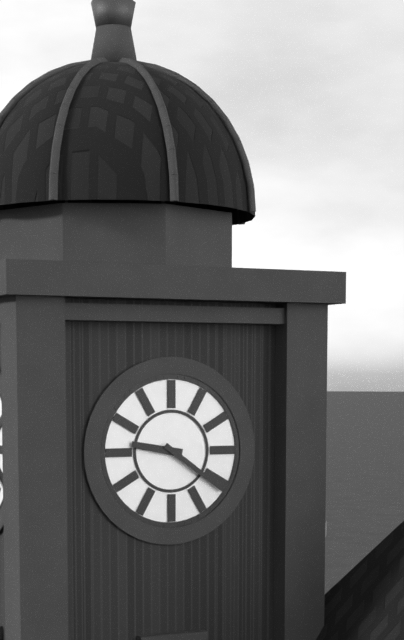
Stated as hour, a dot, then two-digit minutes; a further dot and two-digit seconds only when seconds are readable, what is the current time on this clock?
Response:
9.21
